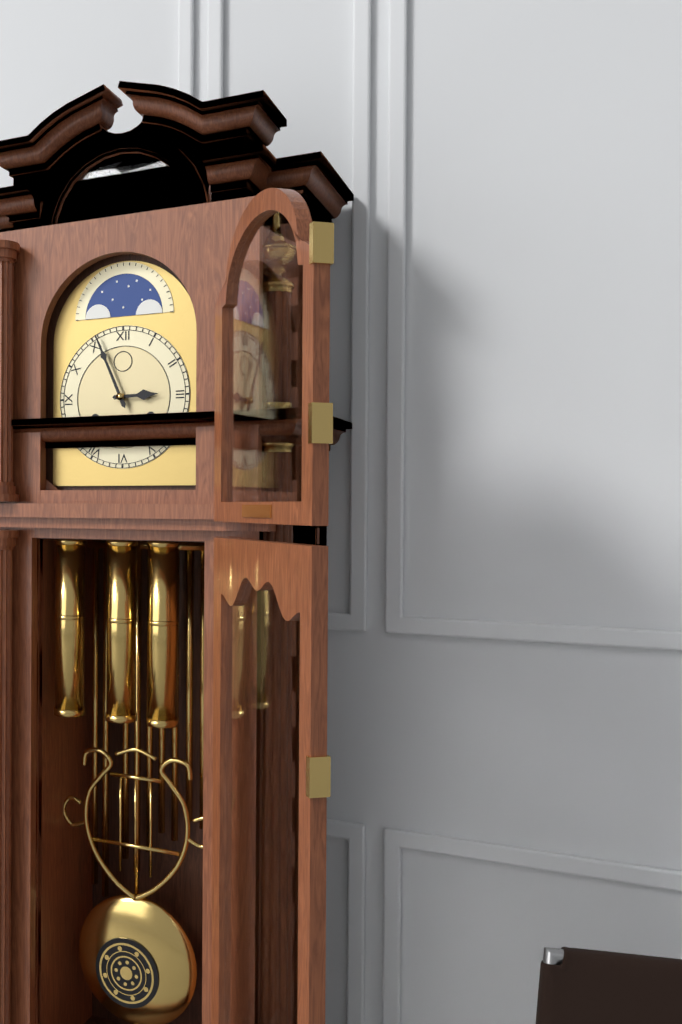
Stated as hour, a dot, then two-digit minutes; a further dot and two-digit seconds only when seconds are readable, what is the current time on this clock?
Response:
2.56
